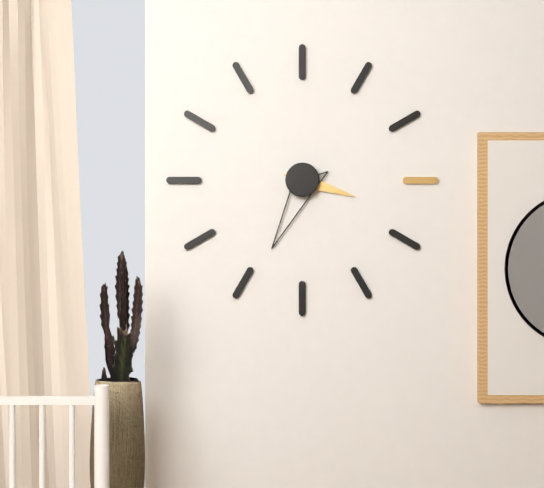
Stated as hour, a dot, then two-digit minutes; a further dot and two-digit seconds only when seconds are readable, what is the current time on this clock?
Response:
3.34
